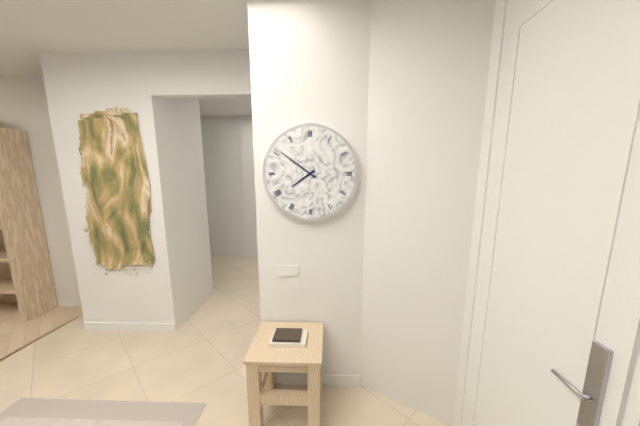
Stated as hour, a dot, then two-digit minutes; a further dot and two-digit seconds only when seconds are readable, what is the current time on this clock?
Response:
7.51
